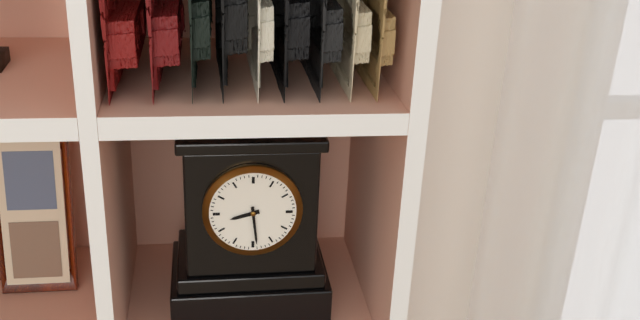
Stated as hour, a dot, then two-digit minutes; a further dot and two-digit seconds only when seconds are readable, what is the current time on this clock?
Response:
8.29
